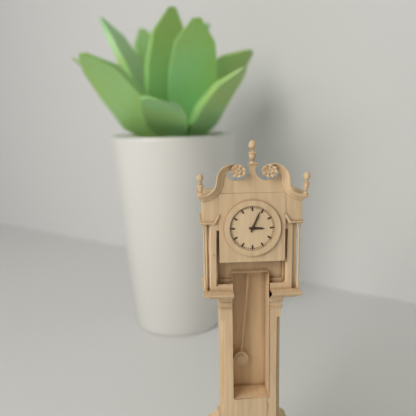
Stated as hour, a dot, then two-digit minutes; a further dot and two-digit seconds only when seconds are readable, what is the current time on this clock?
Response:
3.04
